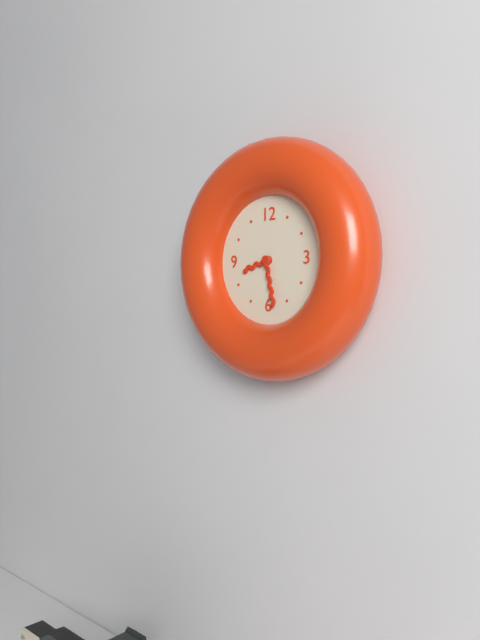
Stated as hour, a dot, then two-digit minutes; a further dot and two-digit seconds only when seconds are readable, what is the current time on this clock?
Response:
8.28
